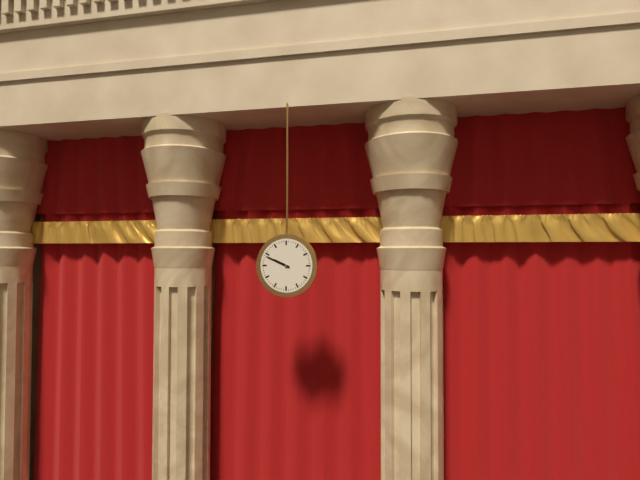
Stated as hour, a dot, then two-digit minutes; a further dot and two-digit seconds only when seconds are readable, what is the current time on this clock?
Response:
9.49
